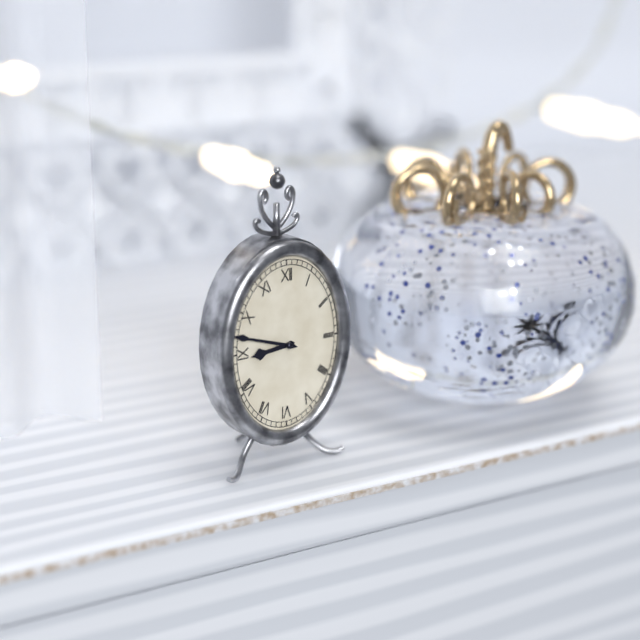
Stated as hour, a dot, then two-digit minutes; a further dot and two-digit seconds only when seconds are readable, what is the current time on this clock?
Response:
8.48
